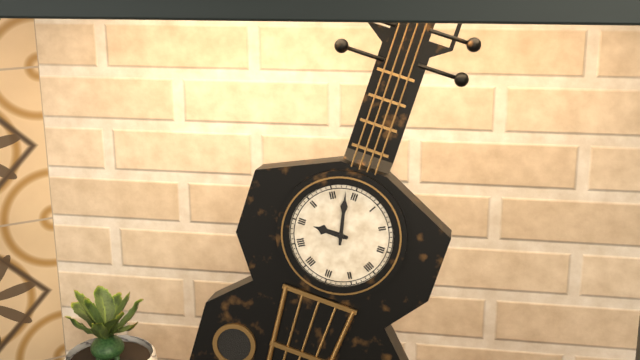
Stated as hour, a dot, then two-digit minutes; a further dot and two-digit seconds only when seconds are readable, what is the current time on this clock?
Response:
8.58
